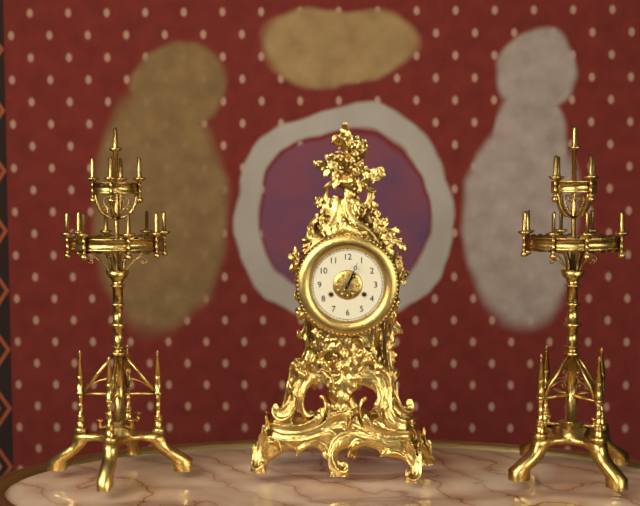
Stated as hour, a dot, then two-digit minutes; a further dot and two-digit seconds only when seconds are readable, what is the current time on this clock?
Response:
1.04
